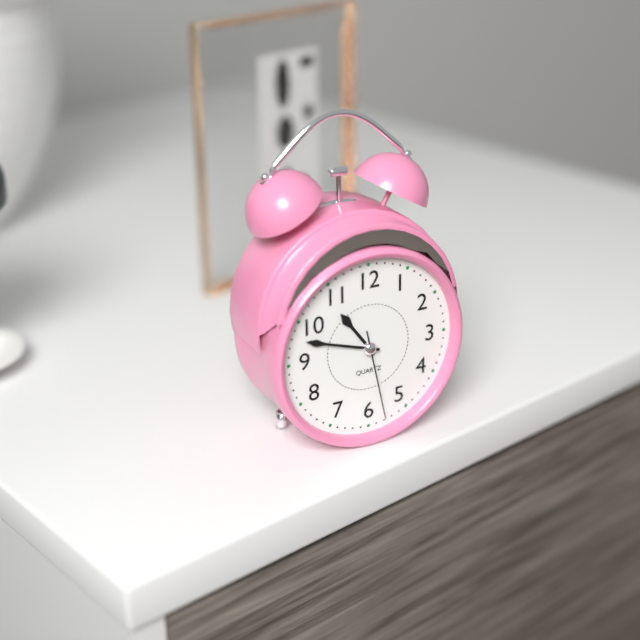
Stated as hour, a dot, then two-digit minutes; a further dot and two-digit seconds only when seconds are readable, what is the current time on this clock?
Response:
10.48.28
